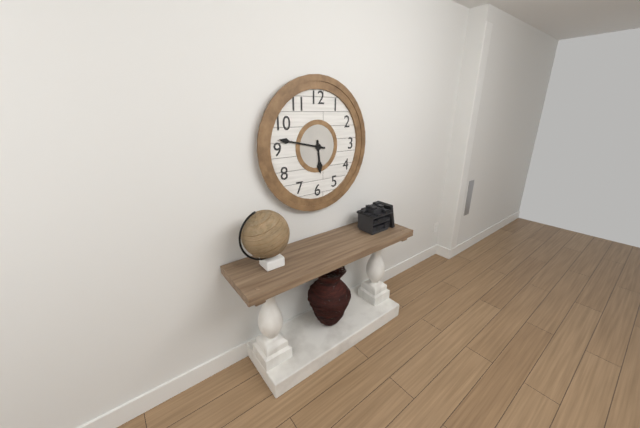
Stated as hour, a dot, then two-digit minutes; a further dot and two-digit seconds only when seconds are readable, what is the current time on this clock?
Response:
5.47
